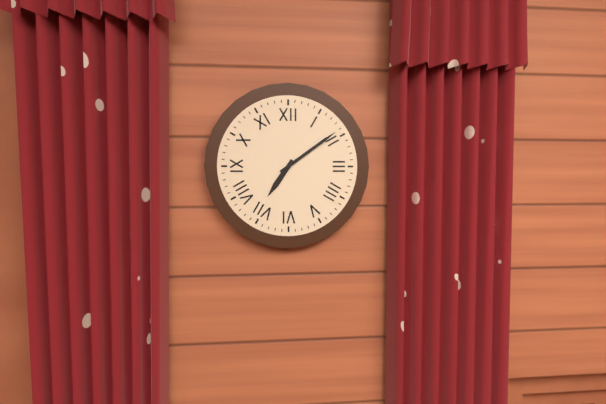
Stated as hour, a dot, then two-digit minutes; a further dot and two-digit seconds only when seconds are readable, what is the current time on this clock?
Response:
7.09
